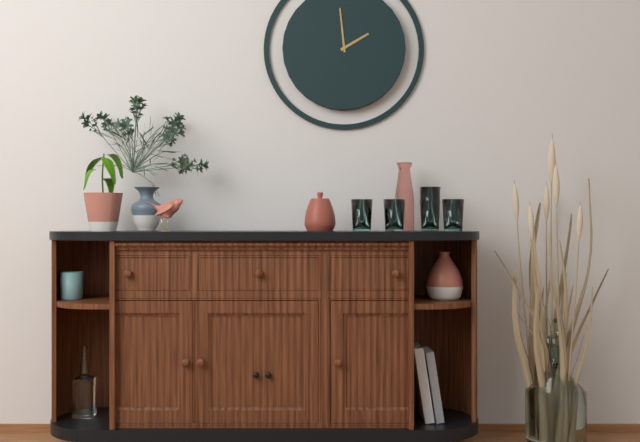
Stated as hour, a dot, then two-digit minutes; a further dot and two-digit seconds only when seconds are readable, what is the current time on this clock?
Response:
1.59
